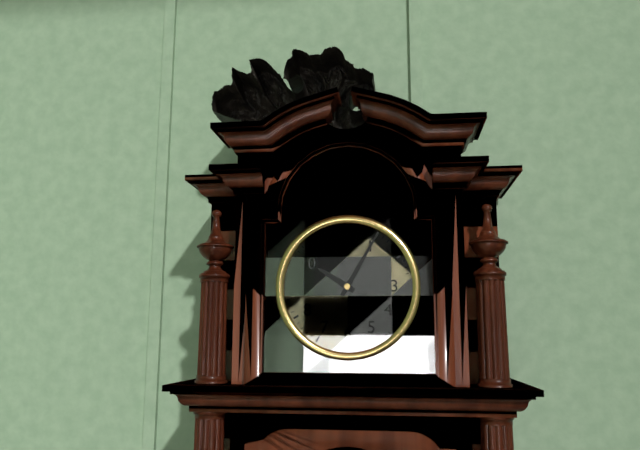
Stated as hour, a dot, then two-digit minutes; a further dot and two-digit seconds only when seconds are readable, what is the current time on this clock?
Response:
10.05
